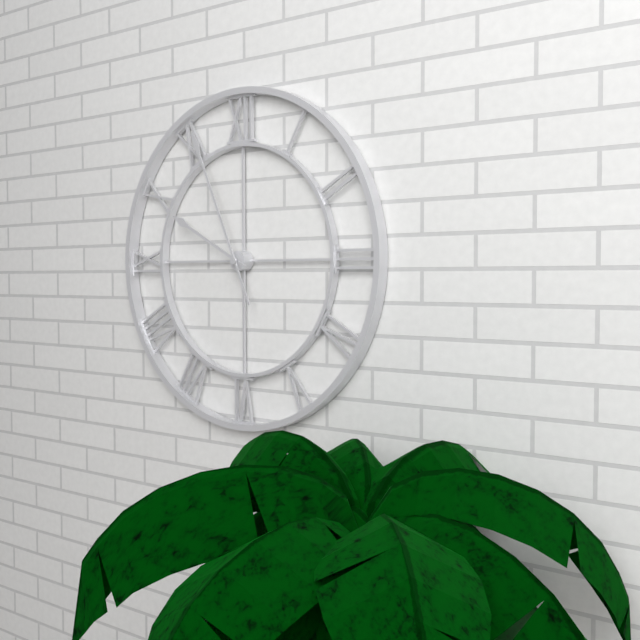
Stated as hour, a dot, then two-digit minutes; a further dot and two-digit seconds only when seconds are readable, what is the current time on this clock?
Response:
9.56
